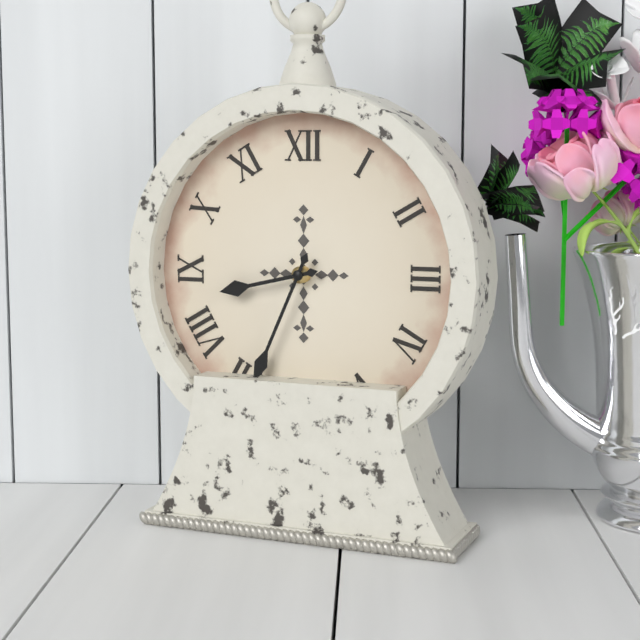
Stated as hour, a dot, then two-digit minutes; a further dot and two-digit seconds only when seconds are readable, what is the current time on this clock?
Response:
8.34
